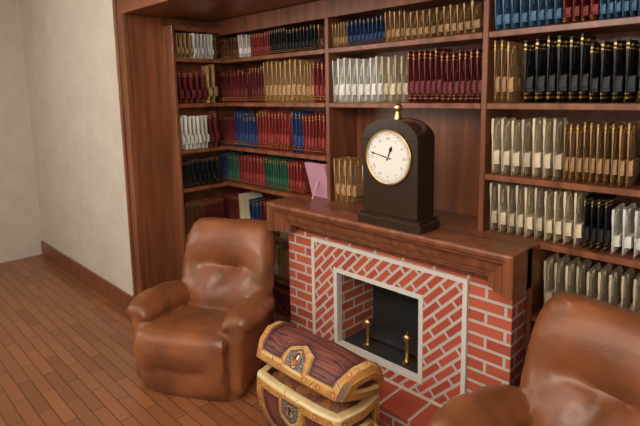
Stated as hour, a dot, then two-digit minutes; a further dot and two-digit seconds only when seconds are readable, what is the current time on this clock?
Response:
12.47
